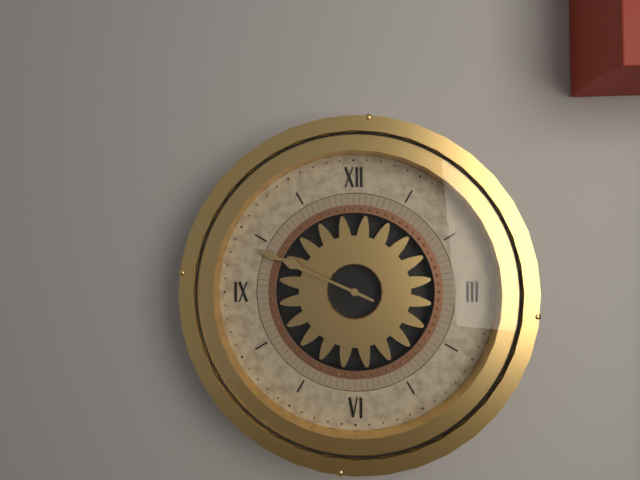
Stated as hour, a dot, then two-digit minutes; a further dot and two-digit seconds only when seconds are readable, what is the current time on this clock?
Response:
9.49
